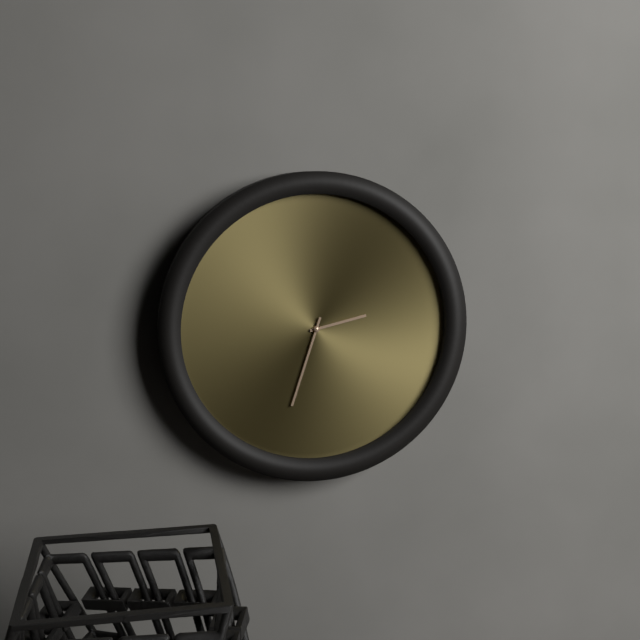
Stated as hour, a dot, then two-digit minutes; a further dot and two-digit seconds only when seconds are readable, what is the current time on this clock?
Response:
2.33
